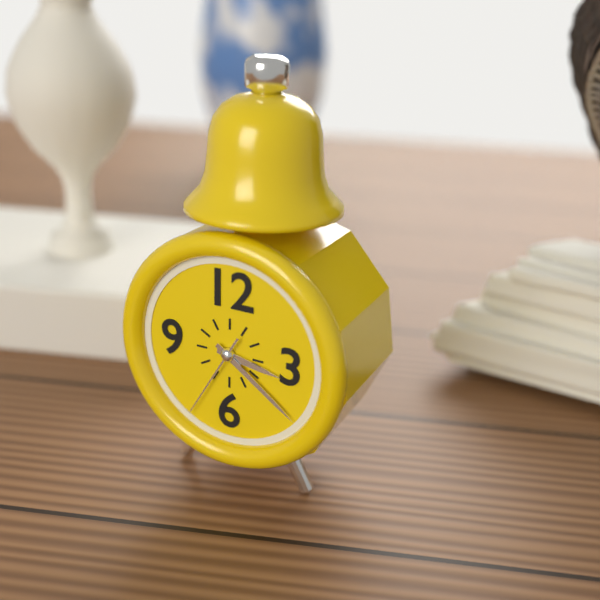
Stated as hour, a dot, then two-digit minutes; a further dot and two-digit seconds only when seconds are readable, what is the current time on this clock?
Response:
3.21.35
